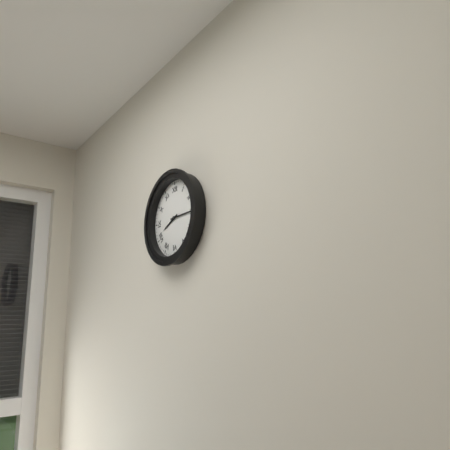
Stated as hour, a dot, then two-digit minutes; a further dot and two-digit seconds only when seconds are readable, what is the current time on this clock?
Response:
8.15
